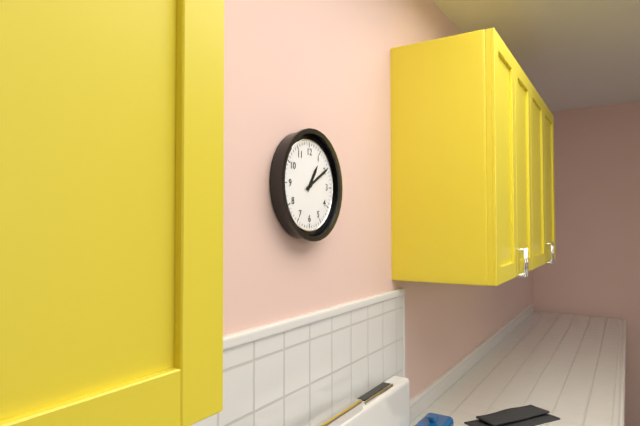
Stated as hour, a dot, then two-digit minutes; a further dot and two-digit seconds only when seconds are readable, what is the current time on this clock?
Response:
1.10
